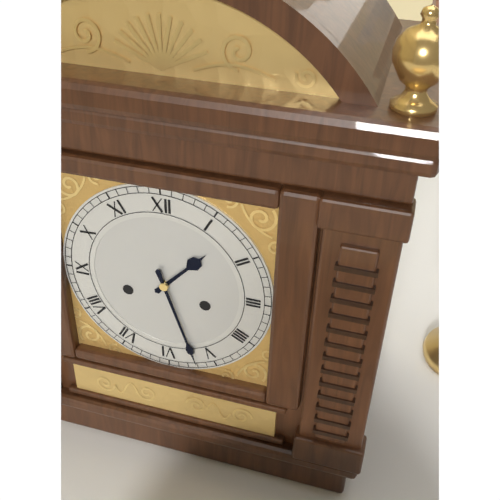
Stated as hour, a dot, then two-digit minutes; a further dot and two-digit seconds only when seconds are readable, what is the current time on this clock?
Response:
1.27
